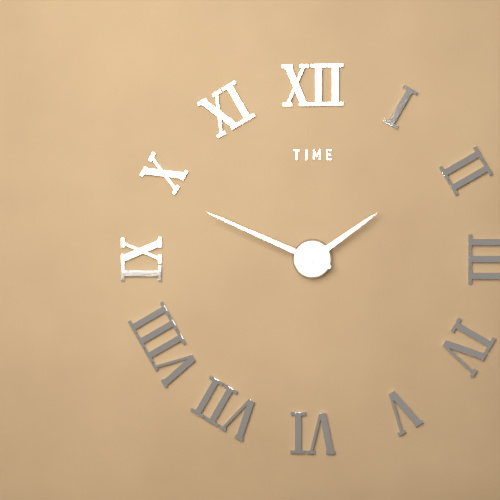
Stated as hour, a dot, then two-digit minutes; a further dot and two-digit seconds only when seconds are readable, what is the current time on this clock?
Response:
1.49
